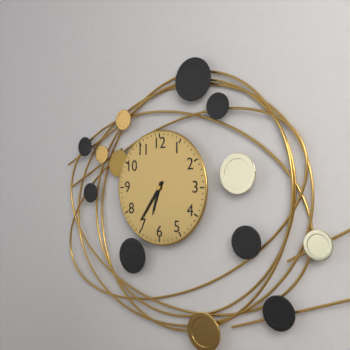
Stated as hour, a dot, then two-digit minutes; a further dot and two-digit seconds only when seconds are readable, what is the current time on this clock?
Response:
6.36
